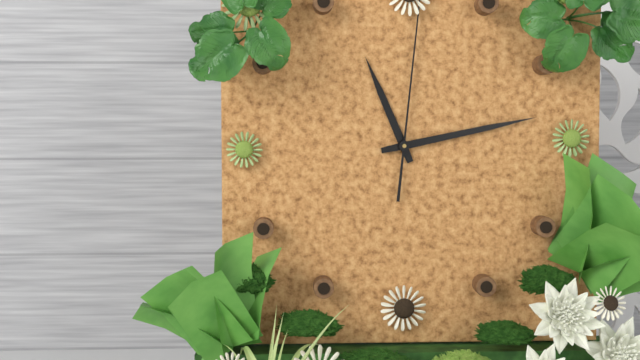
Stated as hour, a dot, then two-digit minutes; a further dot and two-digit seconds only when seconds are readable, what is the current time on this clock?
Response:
11.13
